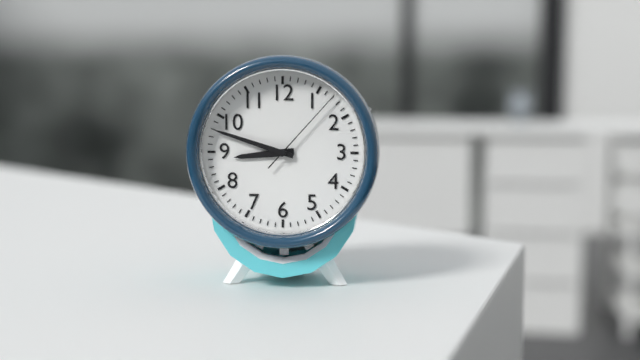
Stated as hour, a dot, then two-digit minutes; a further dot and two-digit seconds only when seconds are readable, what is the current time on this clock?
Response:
8.48.07
